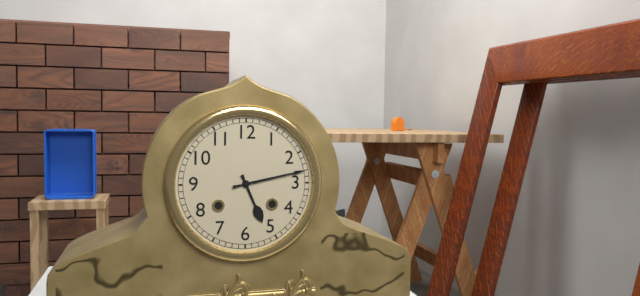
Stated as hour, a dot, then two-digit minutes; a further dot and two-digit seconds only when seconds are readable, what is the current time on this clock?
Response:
5.13
